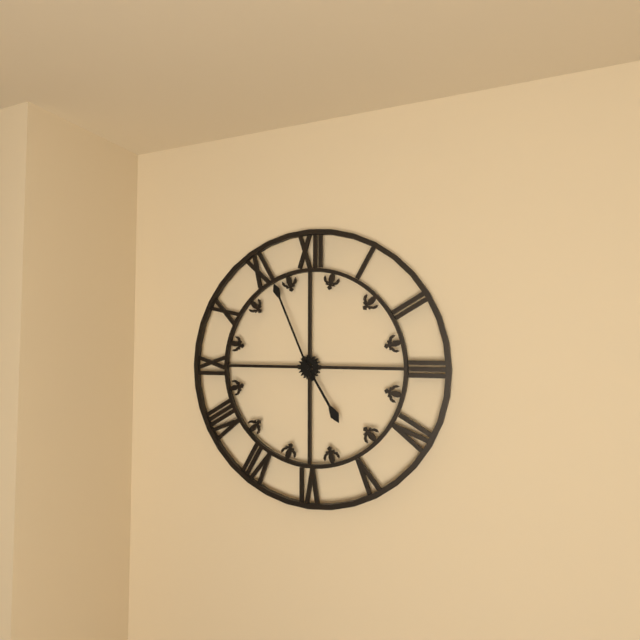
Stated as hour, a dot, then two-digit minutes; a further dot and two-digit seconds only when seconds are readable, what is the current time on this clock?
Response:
4.56
